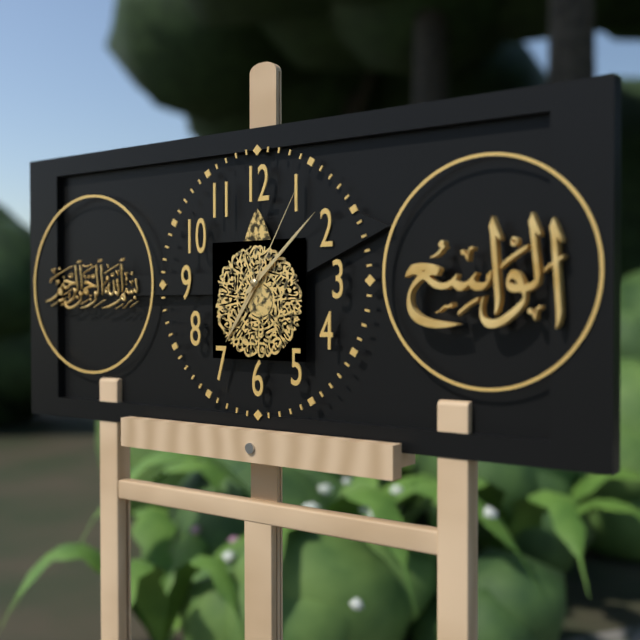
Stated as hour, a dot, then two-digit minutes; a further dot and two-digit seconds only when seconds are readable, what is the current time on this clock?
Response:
7.08.05
